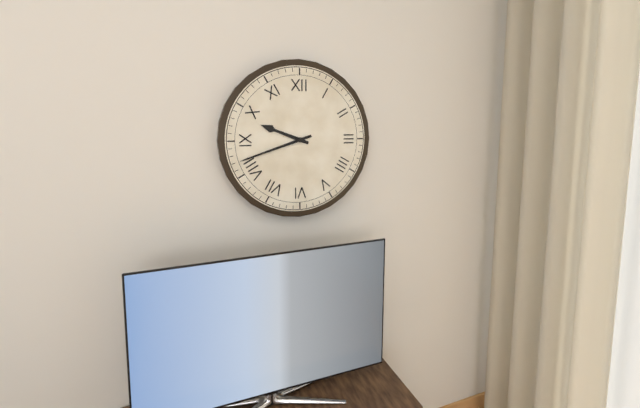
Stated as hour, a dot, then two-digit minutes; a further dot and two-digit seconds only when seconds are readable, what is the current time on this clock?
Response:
9.42
